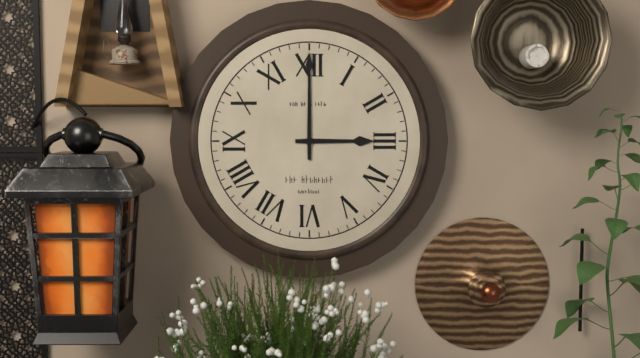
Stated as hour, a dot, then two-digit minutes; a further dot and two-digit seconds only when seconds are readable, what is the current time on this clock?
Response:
3.00
